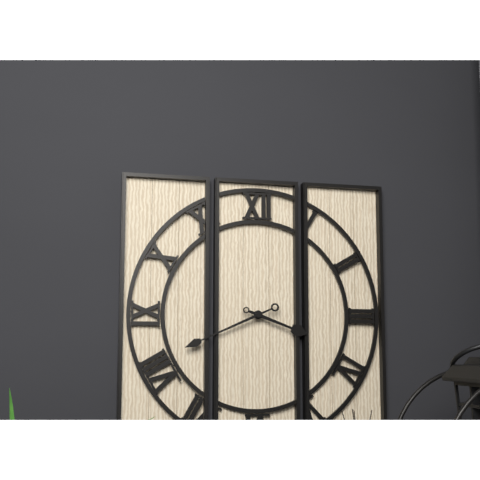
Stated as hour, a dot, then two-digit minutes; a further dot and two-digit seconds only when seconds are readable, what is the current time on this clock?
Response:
3.41
